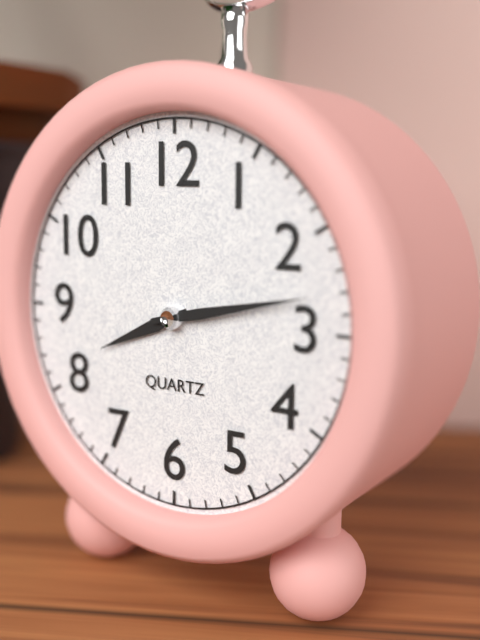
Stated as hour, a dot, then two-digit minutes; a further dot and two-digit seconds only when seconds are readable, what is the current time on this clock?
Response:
8.13
